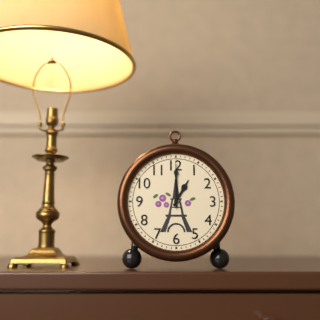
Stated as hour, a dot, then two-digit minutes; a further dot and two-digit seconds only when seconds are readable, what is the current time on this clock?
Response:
1.00
